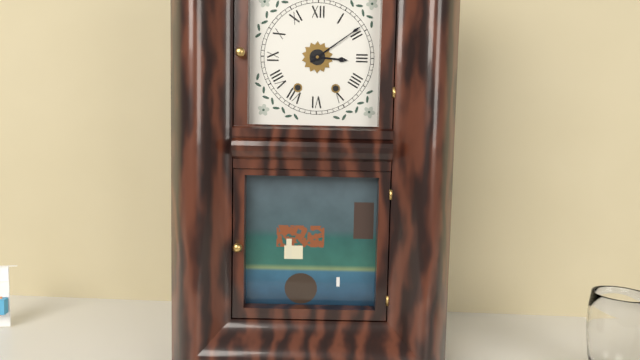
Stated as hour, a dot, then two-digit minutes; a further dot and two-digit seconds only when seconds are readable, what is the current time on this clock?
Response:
3.09
